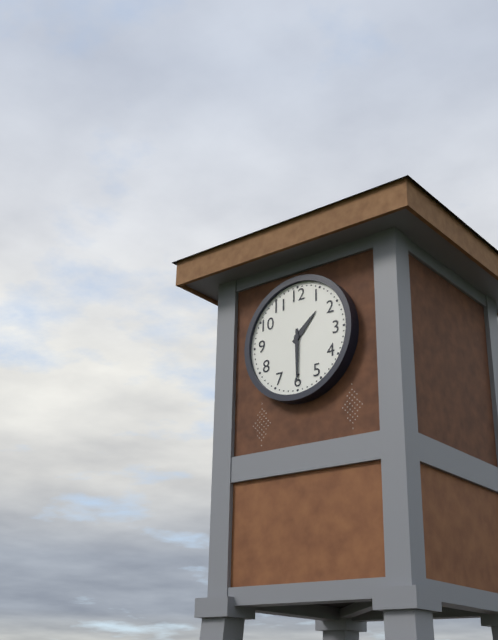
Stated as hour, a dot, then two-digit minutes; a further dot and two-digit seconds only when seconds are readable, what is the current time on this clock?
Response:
1.30
